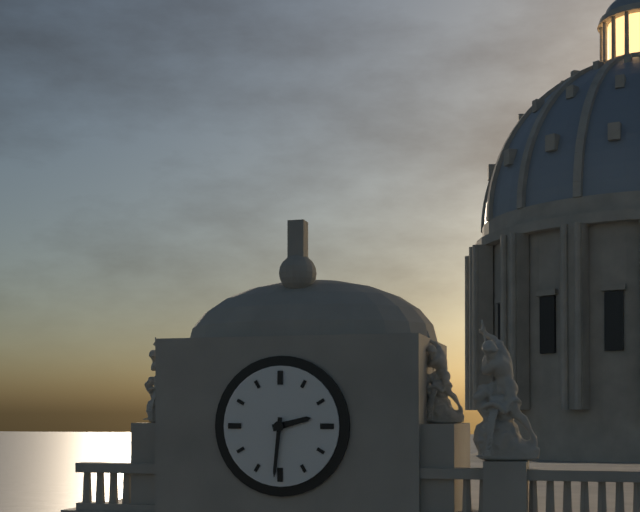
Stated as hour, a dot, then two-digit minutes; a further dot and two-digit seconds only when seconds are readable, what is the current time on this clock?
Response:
2.31
